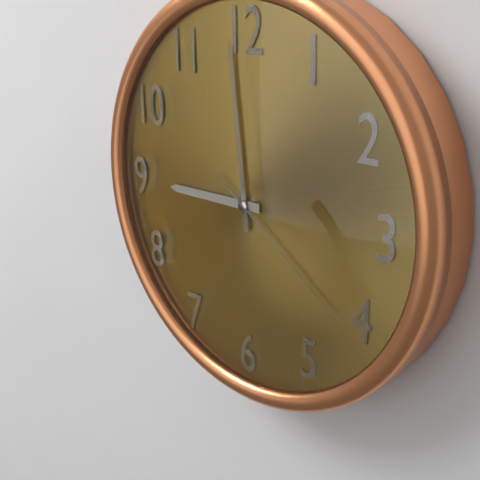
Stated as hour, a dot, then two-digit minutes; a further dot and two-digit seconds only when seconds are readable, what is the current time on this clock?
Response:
8.59.21
